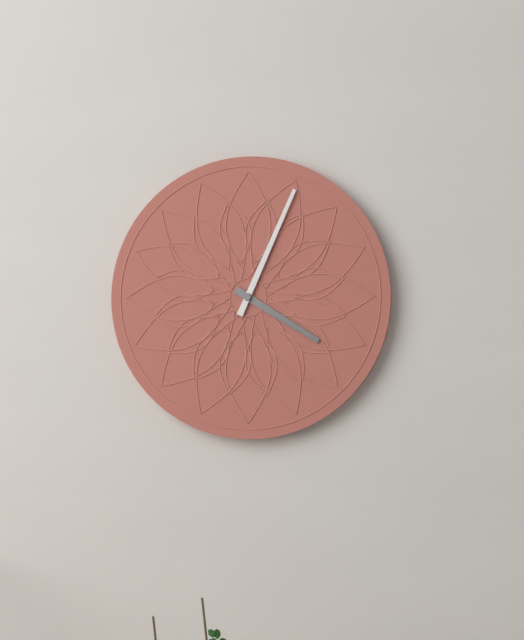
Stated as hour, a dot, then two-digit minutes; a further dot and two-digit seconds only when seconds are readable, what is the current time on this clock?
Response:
4.04
